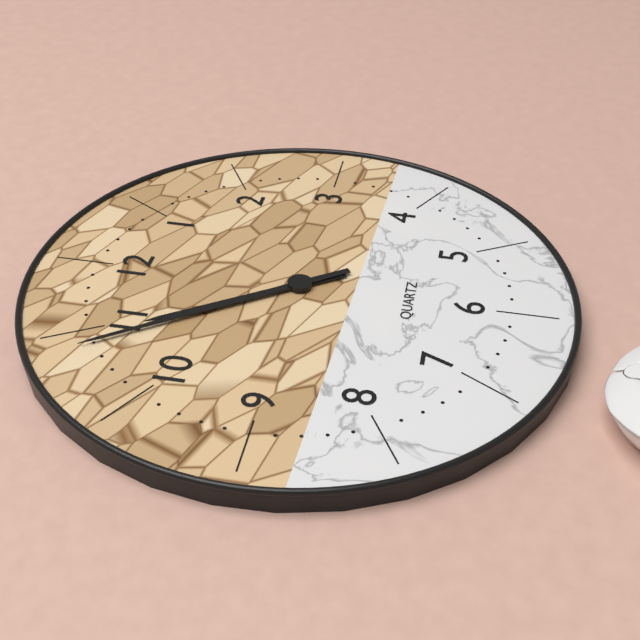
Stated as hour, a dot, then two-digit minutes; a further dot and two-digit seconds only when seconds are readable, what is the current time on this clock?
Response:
10.54
